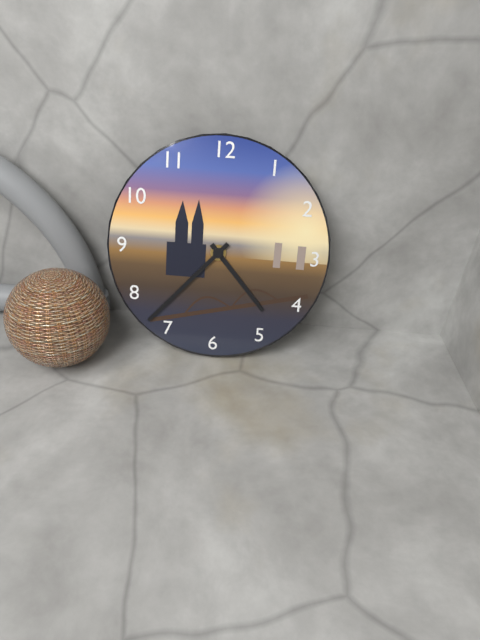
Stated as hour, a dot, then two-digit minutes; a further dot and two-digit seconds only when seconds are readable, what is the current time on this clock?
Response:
4.37
